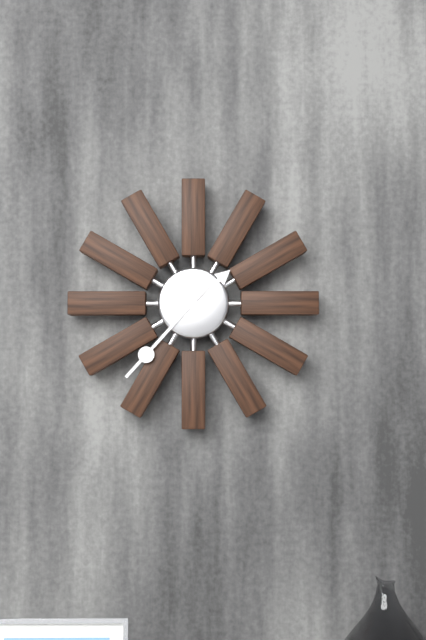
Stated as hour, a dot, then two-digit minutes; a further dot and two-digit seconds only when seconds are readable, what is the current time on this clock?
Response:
1.37
